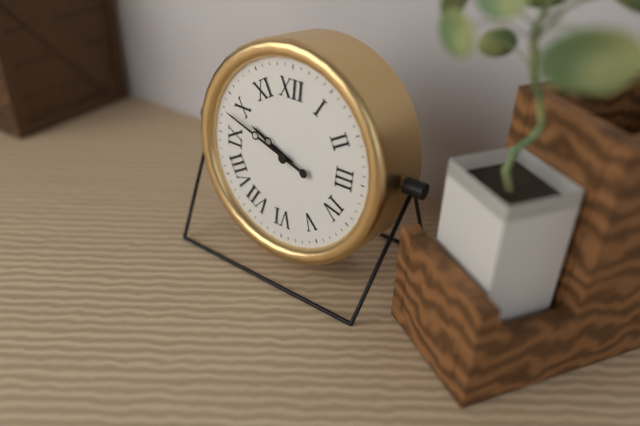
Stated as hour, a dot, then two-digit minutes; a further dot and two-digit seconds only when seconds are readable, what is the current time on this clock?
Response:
9.48
